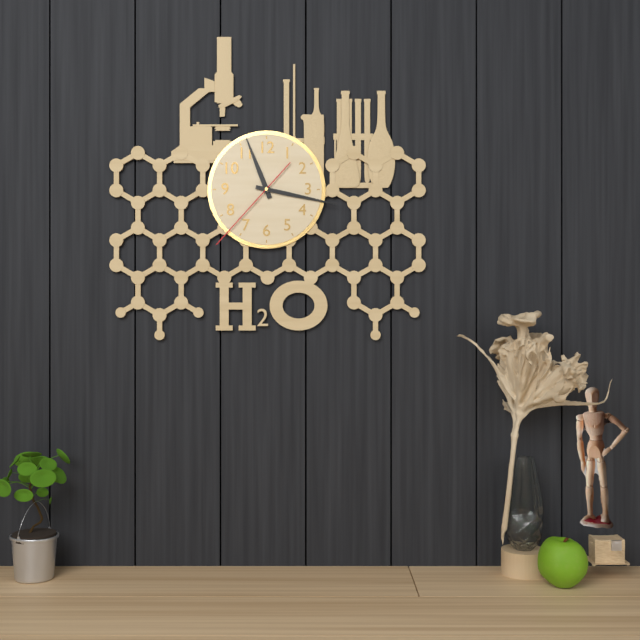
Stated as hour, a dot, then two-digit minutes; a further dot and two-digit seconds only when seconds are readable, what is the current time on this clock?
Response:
11.17.37
